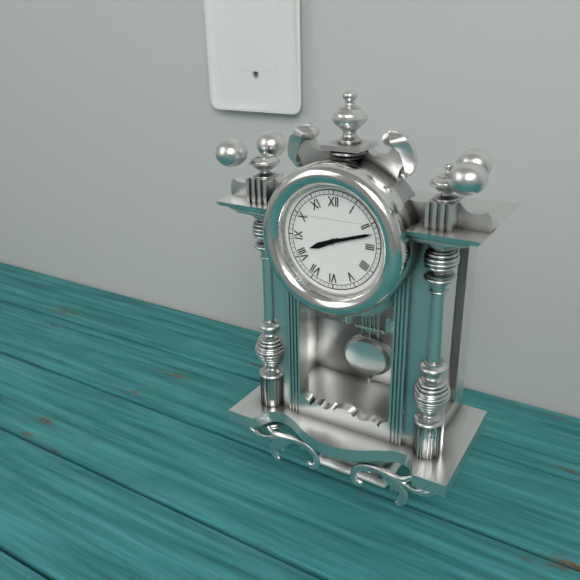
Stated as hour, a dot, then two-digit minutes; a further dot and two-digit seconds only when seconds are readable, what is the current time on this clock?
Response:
8.12
